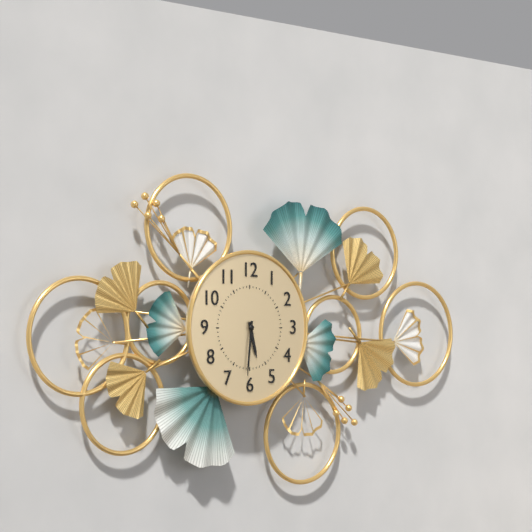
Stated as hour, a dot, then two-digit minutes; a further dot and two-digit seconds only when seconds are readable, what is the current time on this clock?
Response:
5.31
